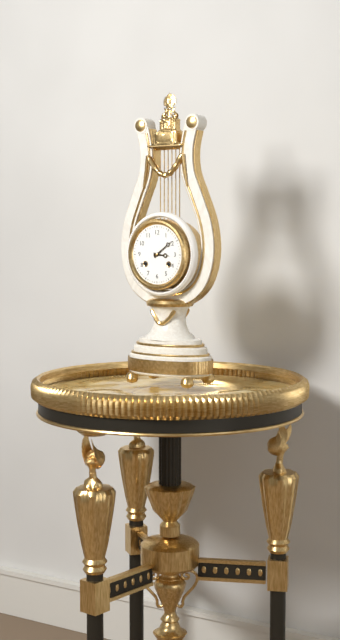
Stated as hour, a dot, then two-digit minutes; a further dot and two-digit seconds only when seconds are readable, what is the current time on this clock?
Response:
3.09
